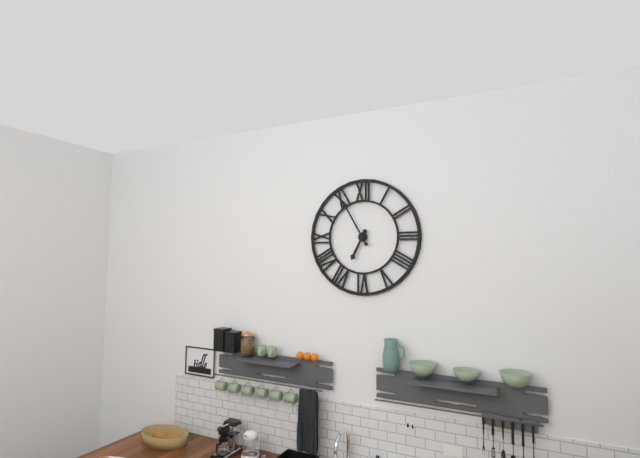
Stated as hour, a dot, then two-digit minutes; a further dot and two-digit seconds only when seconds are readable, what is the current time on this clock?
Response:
6.55
